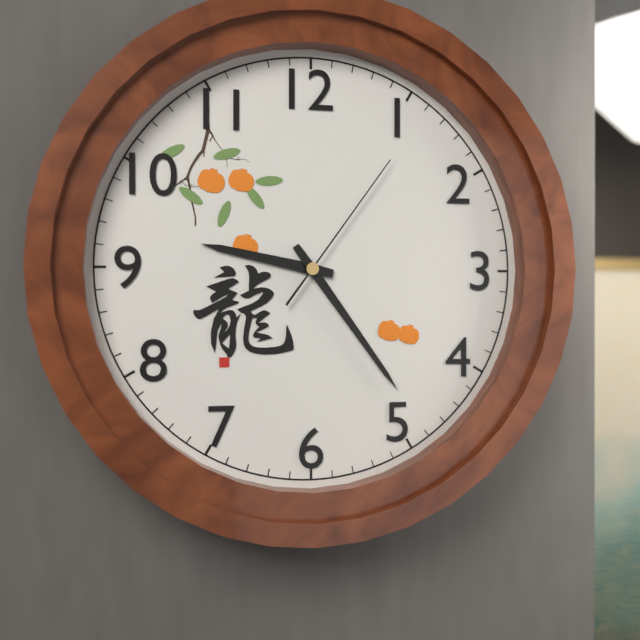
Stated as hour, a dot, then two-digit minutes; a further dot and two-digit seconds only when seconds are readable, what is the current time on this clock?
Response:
9.24.06
